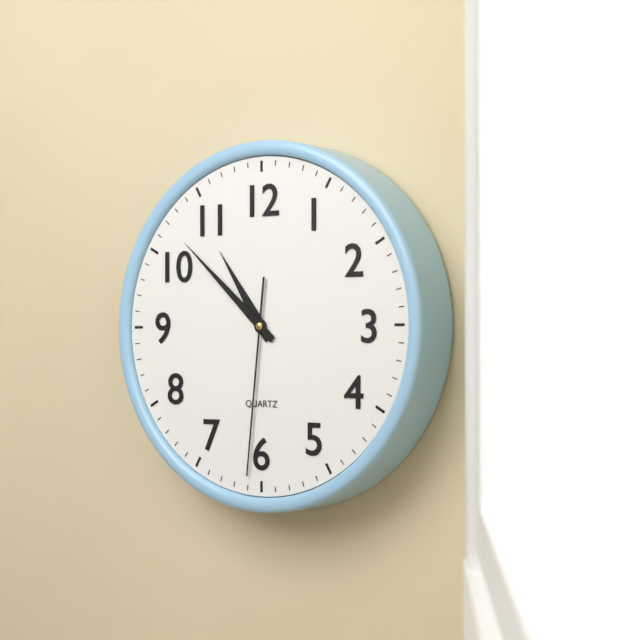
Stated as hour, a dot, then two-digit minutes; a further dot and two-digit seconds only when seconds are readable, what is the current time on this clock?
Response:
10.52.31
